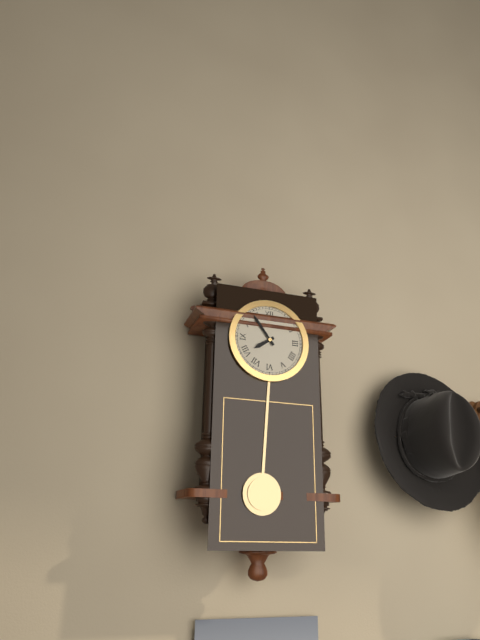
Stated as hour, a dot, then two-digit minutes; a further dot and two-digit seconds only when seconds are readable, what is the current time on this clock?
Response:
7.54
